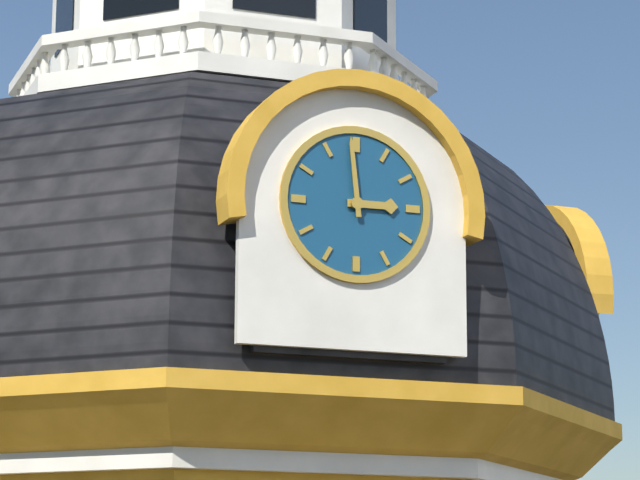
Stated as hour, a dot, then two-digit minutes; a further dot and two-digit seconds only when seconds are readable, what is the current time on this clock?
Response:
2.59
